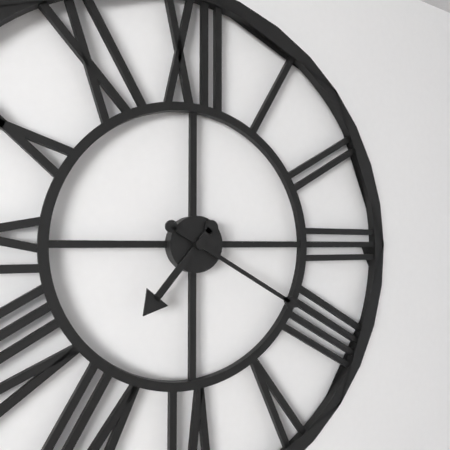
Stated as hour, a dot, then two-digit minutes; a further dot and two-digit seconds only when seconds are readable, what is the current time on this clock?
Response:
7.20
